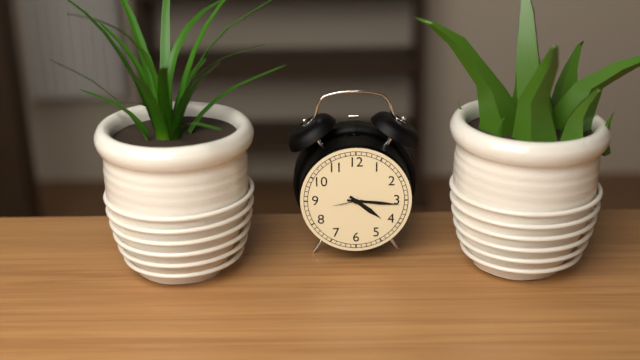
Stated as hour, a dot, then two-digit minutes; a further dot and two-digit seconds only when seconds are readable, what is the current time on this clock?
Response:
4.16
